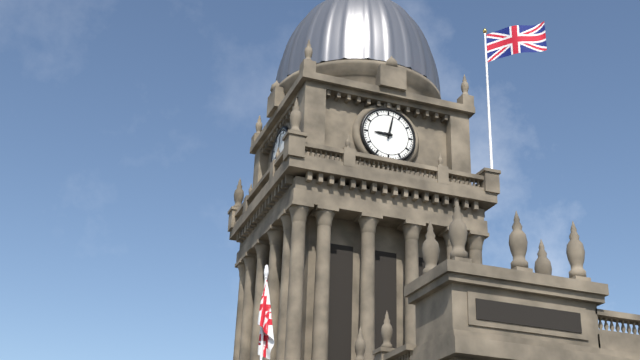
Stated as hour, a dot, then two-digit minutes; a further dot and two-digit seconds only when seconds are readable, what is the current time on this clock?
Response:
9.02
